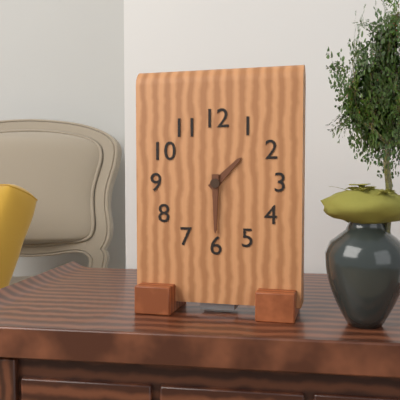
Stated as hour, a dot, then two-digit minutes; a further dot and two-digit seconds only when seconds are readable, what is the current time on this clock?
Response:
1.30
